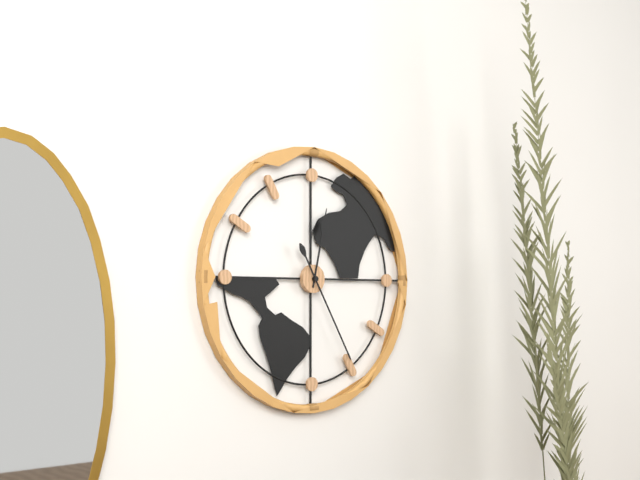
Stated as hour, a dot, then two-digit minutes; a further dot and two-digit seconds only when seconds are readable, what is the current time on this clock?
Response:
12.25
